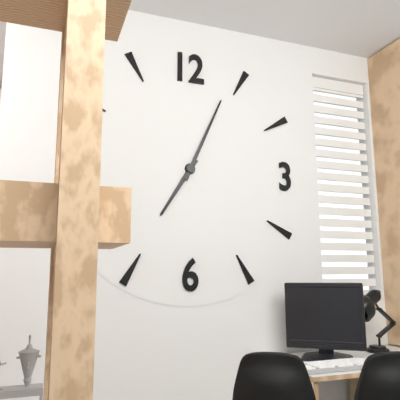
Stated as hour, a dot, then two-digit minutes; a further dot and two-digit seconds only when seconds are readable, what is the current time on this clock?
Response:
7.04
